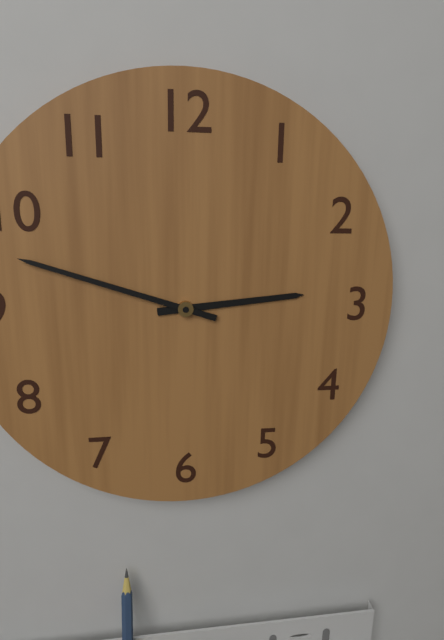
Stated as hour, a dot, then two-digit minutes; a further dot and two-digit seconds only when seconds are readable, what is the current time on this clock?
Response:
2.48
